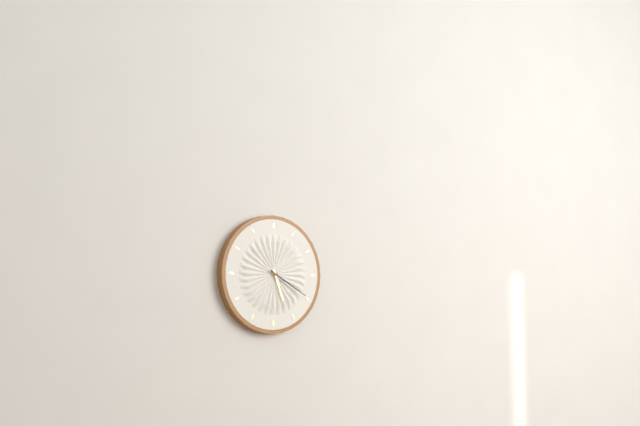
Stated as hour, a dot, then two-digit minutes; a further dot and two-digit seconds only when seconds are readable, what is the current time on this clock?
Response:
5.20
